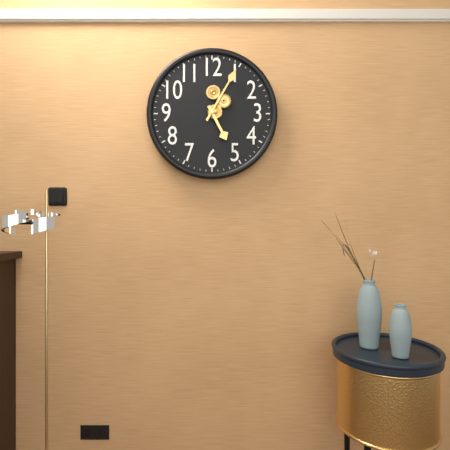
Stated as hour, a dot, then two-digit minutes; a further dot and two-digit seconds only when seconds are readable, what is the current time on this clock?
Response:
5.05
